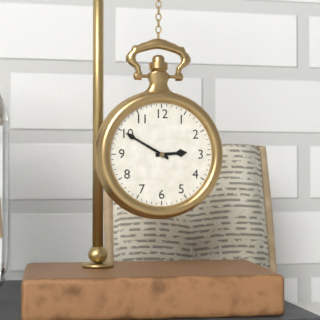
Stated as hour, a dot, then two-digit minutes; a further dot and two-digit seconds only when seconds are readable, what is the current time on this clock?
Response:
2.50
